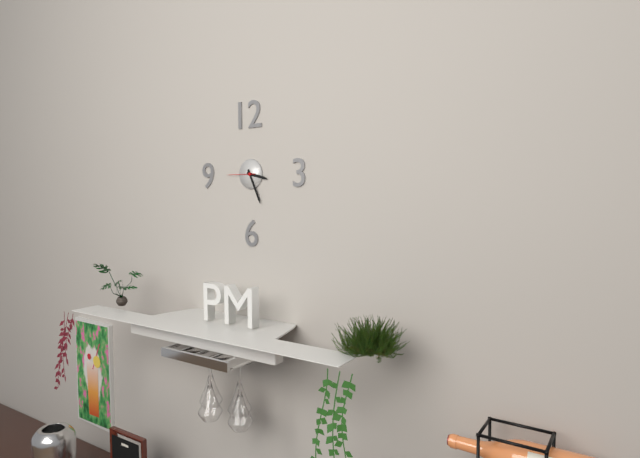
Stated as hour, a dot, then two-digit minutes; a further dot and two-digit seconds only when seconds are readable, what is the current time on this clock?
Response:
3.26
